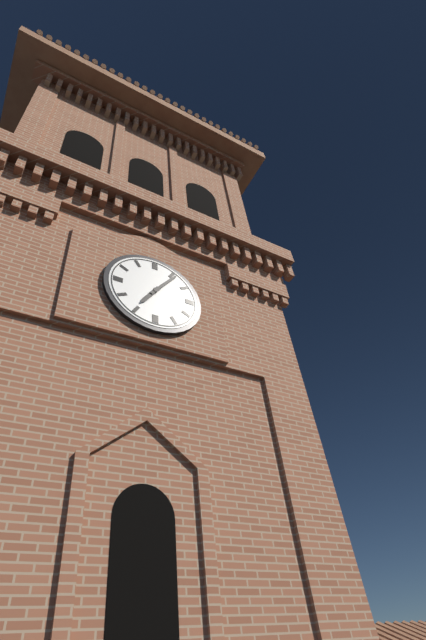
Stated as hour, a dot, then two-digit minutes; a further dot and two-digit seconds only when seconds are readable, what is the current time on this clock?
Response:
7.06
